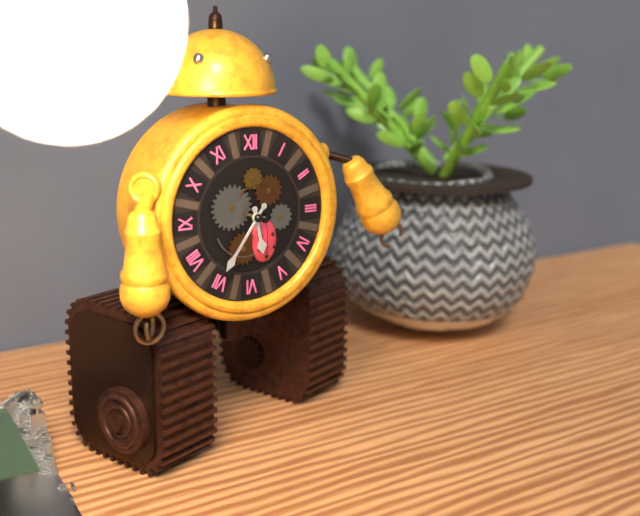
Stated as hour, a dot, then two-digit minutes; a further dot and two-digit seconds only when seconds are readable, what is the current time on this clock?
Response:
5.36
